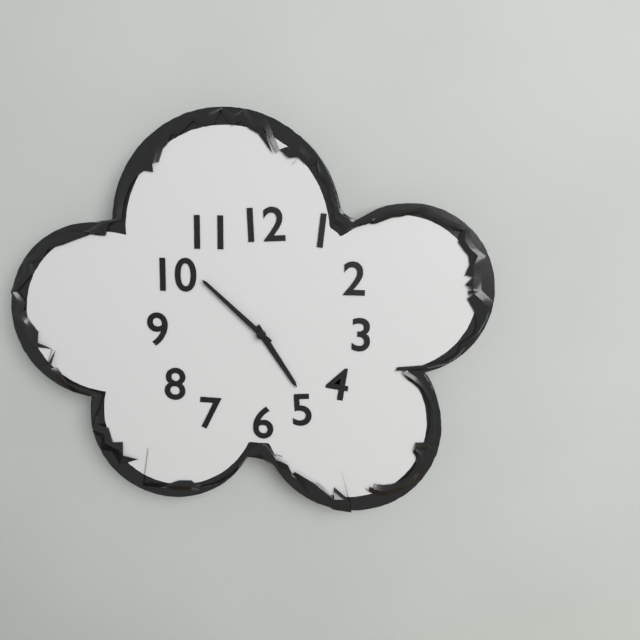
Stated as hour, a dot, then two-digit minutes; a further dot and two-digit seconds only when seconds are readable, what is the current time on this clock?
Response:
4.52
